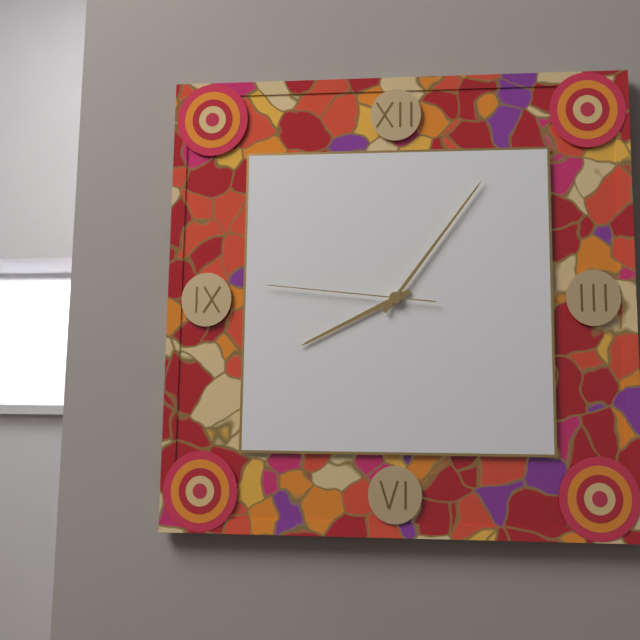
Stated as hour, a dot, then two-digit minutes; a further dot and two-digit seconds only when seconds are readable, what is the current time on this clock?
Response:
8.06.46
